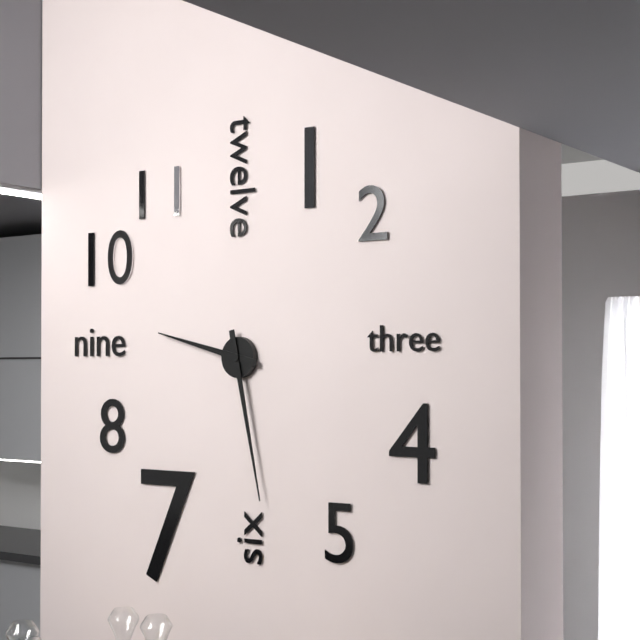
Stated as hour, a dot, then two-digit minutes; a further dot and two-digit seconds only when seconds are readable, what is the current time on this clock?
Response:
9.28
